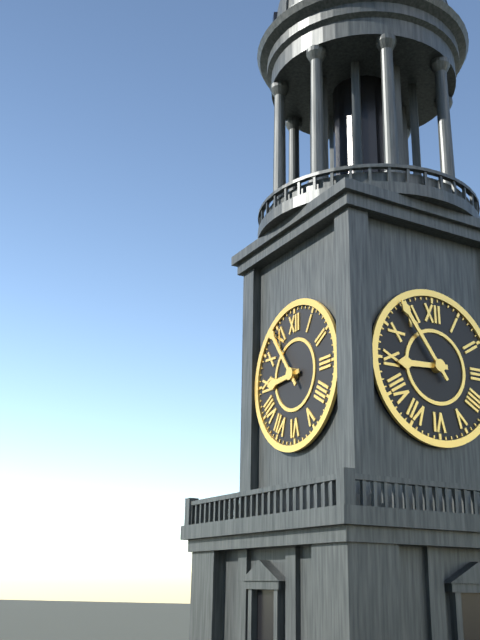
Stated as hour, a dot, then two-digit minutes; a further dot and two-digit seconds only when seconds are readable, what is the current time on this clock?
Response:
8.54
